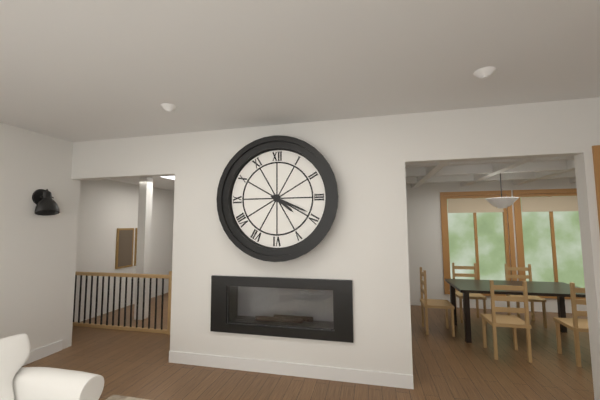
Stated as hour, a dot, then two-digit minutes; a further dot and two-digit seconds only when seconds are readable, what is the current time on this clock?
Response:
4.19
